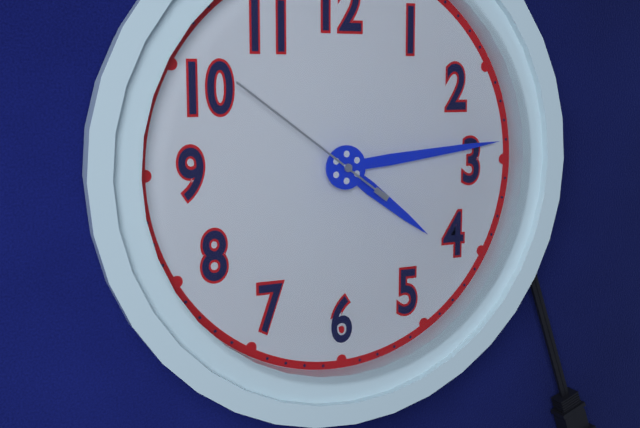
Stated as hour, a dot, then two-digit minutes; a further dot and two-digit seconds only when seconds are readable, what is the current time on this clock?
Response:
4.14.51
